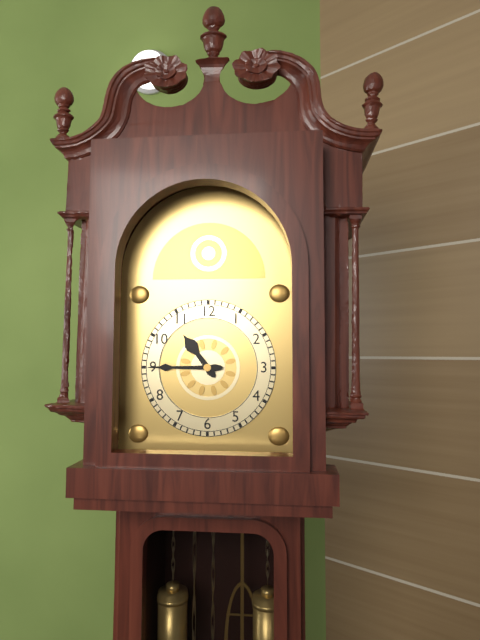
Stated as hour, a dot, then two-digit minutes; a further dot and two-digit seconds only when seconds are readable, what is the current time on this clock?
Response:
10.45
